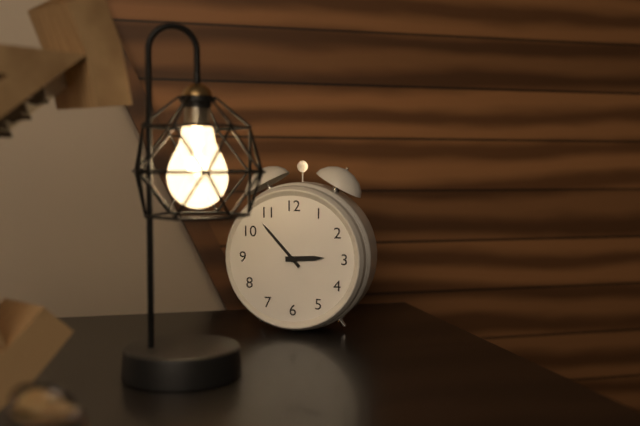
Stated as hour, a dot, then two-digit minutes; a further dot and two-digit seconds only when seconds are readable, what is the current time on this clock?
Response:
2.53
